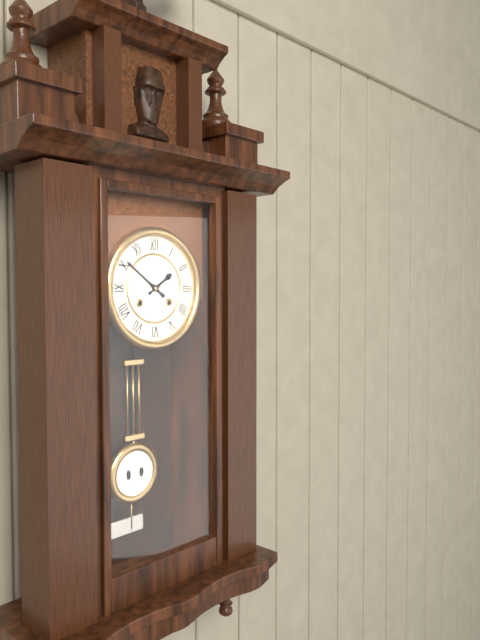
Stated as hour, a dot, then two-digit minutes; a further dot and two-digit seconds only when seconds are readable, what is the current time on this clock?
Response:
1.51
